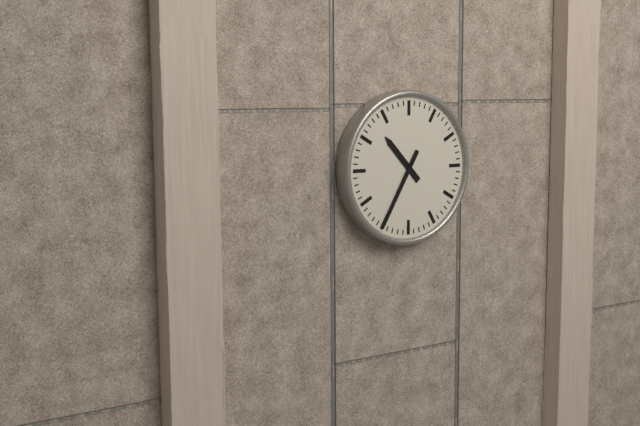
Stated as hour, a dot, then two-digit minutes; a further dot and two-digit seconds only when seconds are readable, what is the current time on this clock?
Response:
10.35
